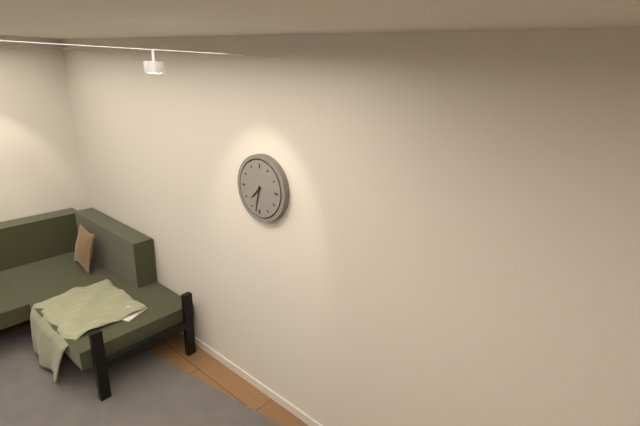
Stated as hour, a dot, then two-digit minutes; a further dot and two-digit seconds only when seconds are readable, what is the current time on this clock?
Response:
7.32
